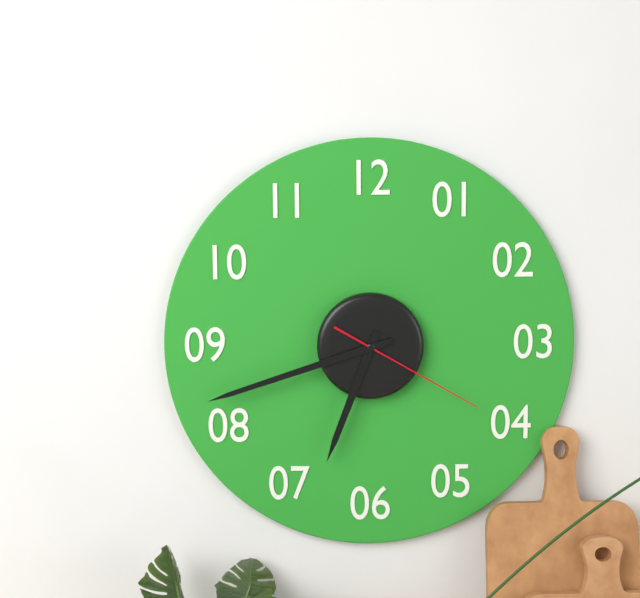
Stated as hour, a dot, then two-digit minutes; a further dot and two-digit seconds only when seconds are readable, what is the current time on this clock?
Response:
6.42.20
